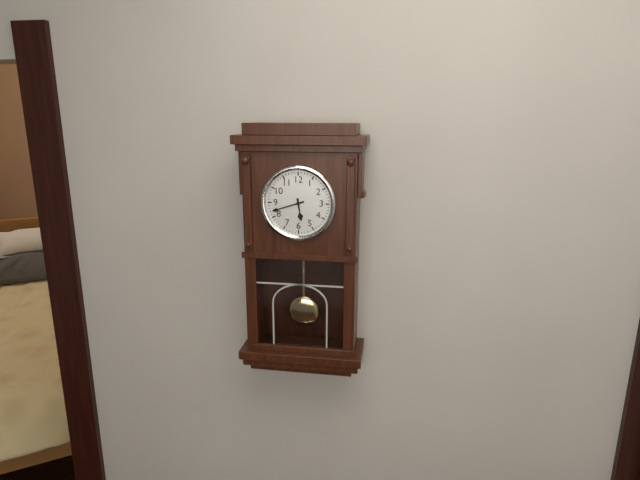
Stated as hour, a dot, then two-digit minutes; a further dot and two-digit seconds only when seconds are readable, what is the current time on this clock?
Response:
5.42
